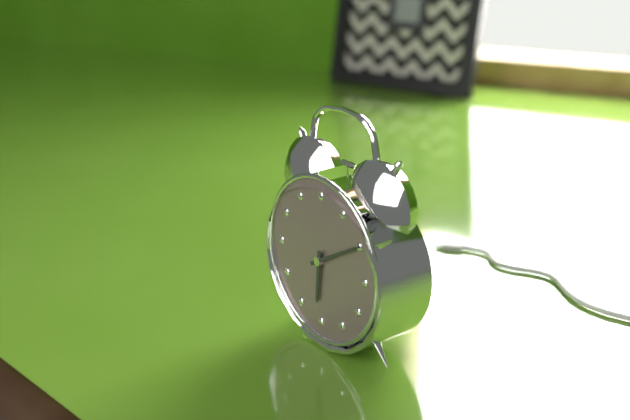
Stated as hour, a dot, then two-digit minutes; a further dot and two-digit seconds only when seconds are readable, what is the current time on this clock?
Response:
6.10
